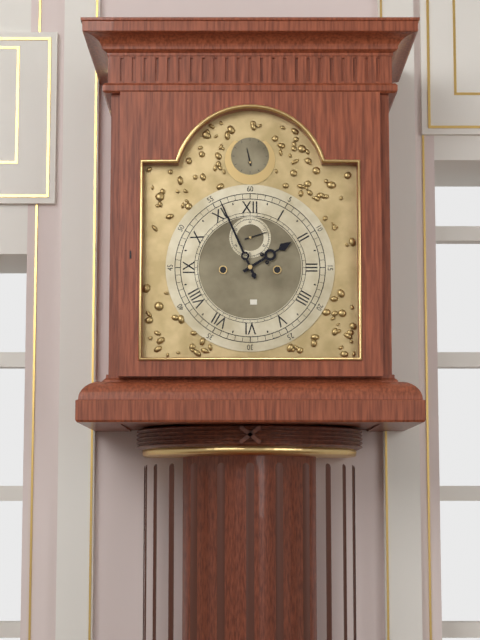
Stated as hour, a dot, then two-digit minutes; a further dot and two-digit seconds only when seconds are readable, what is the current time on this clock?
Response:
1.56
